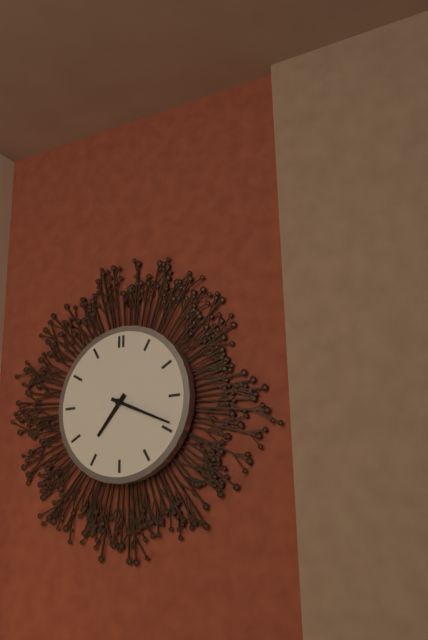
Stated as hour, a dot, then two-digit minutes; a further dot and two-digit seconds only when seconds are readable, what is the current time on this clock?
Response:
7.19
